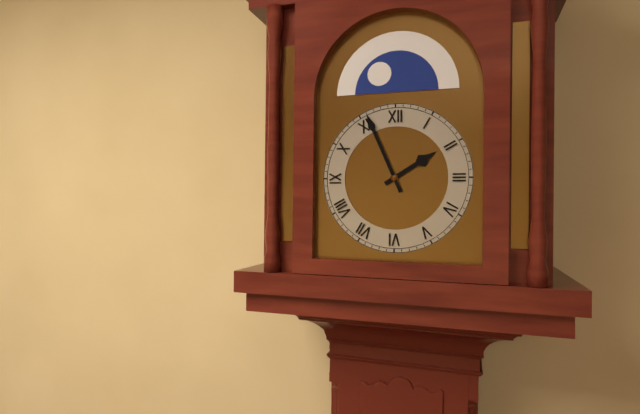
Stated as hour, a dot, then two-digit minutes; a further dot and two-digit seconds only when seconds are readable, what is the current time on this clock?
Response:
1.56
